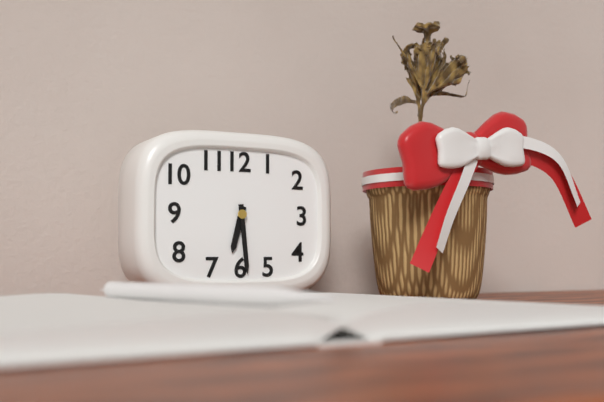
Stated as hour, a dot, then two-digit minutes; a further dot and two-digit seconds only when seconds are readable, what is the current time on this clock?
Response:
6.29
